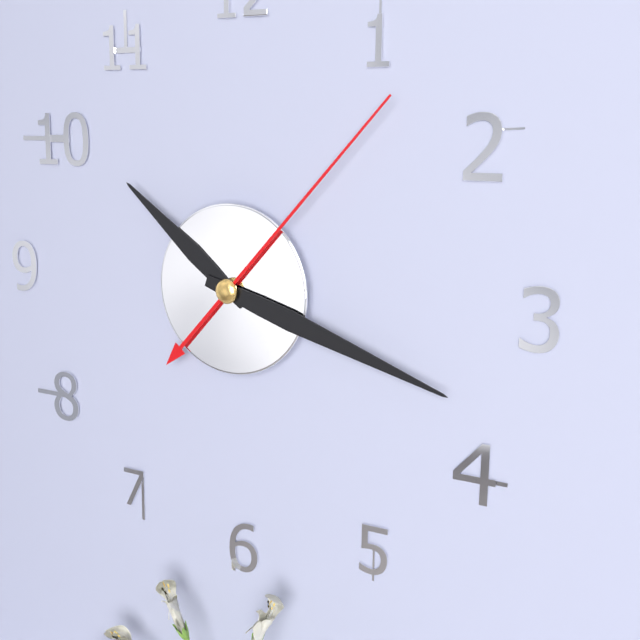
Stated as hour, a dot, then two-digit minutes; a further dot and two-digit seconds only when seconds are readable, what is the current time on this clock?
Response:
10.18.07
